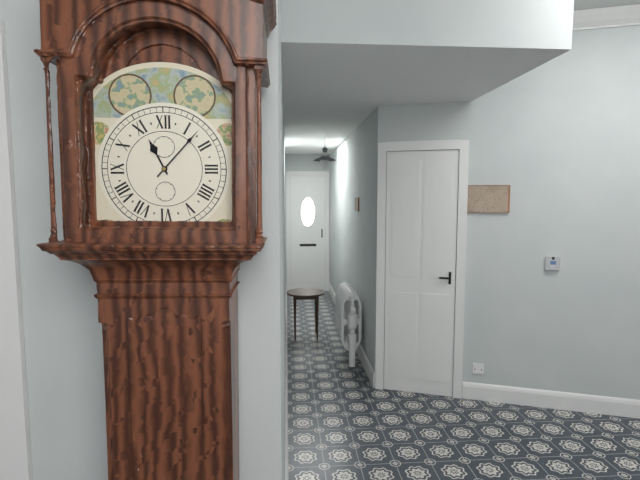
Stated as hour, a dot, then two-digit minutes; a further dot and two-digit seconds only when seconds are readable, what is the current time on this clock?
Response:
11.07
